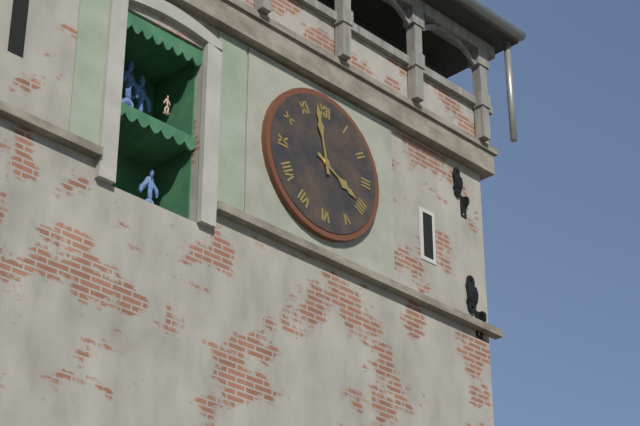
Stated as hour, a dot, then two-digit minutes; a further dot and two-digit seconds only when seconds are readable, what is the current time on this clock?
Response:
3.58
